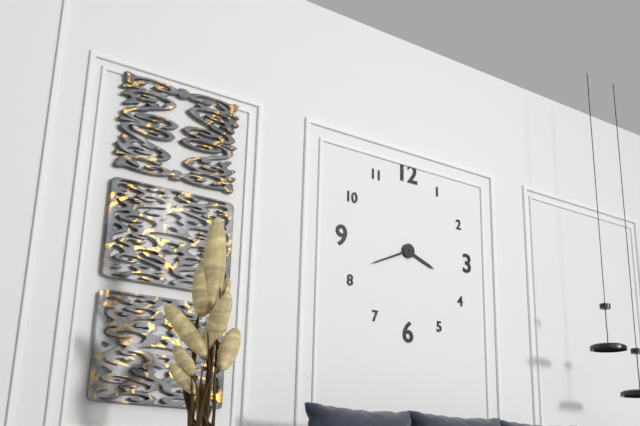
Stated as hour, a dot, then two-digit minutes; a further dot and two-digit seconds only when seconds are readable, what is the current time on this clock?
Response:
3.41
